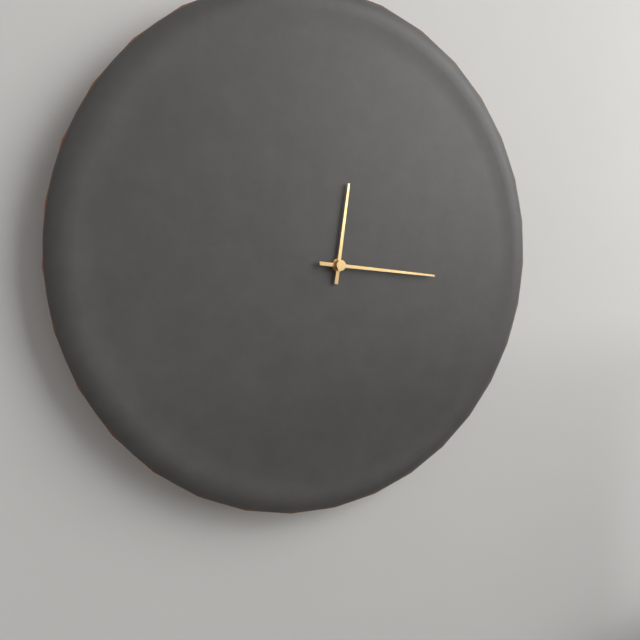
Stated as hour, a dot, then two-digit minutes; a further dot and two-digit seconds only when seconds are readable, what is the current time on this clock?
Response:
12.16
